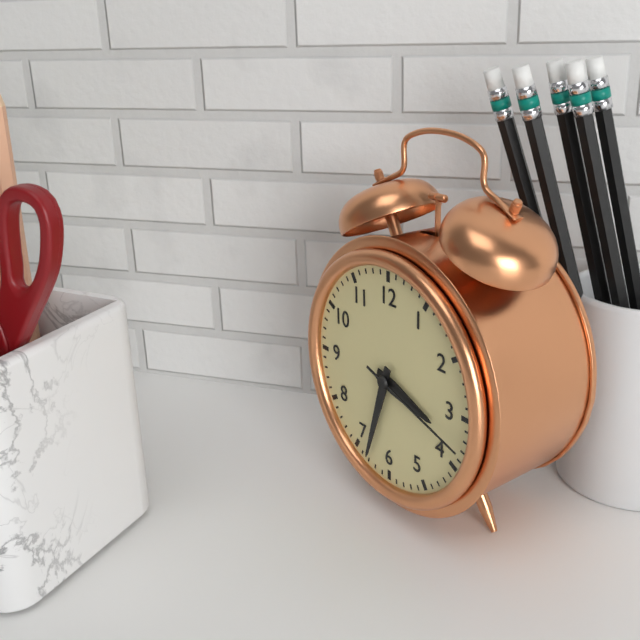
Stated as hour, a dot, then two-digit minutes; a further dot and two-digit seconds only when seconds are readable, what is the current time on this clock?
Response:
3.33.18
